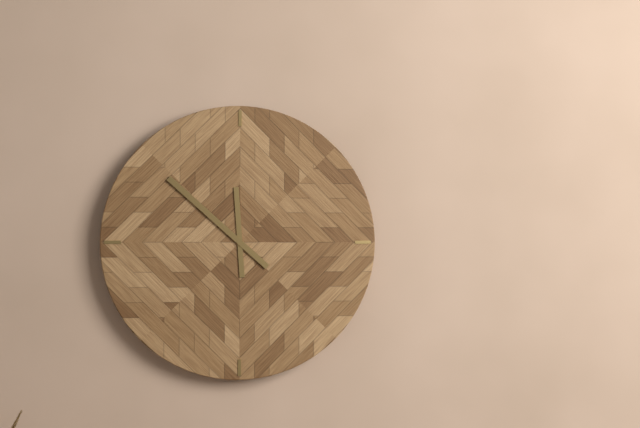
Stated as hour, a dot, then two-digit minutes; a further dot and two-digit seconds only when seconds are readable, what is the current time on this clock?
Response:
11.52
